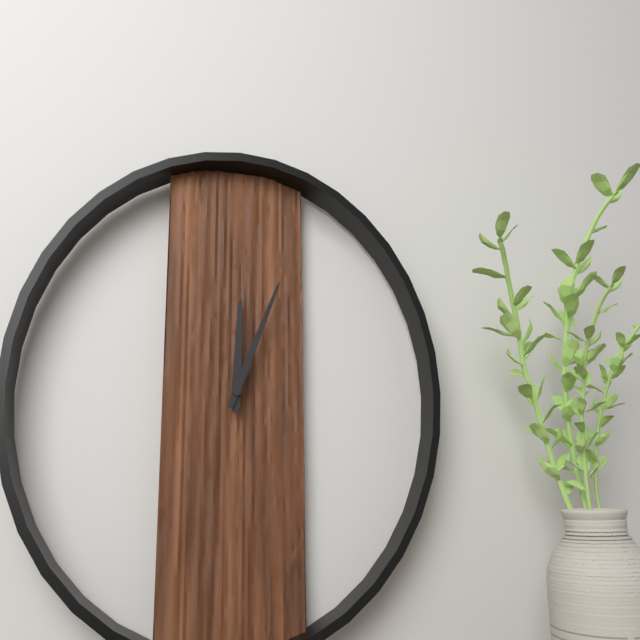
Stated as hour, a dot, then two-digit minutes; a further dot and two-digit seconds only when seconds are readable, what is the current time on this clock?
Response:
12.04
